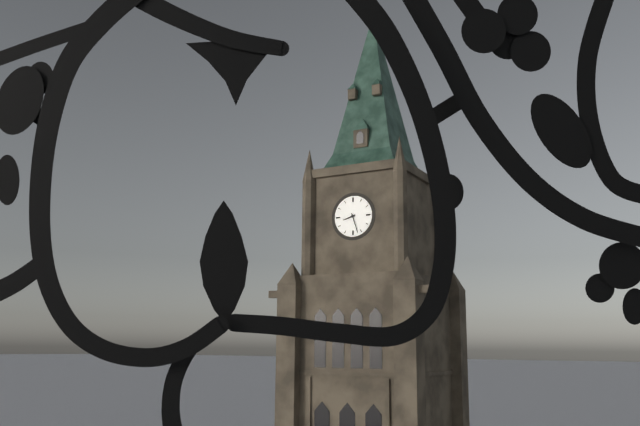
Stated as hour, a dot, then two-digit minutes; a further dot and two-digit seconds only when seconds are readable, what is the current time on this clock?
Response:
8.27
